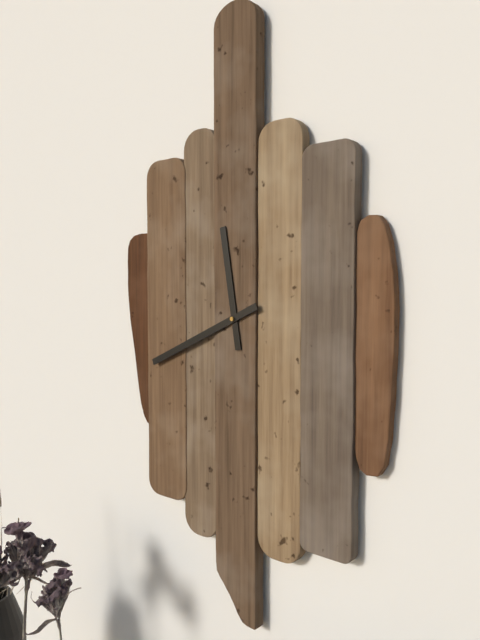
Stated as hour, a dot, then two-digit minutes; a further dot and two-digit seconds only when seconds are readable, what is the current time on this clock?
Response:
11.41
